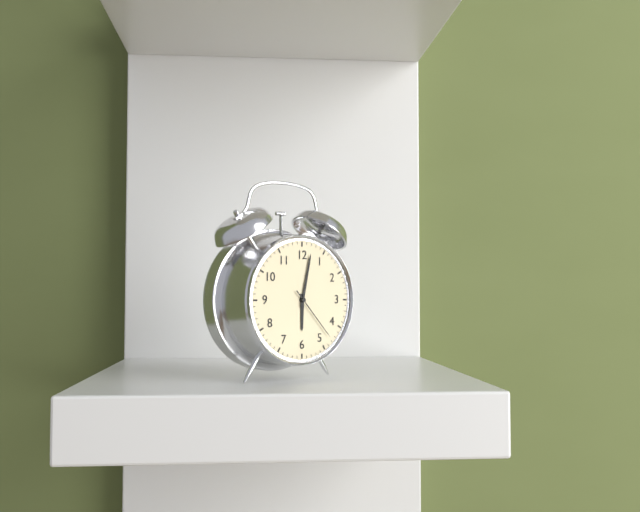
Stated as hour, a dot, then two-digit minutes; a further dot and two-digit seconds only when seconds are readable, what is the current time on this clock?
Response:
6.02.23
